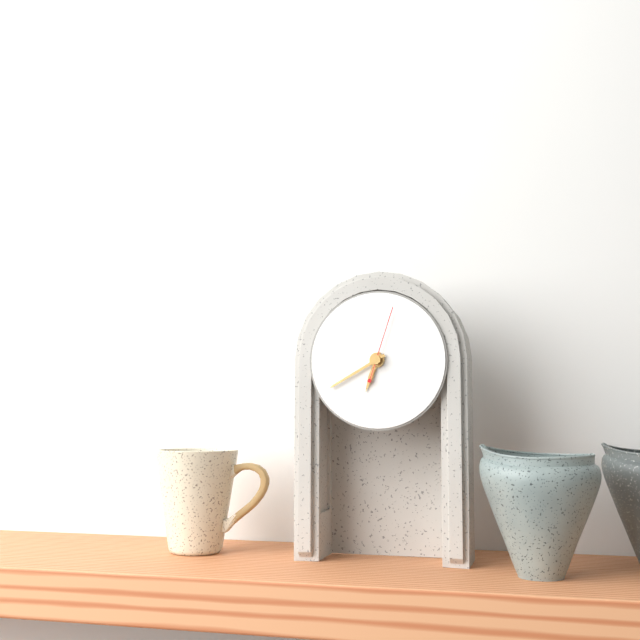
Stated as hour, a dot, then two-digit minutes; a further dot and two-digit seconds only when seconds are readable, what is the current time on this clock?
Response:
6.40.03
